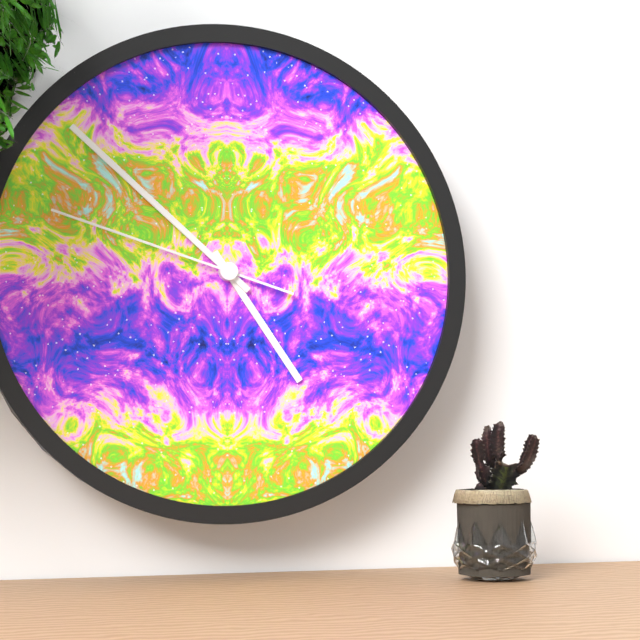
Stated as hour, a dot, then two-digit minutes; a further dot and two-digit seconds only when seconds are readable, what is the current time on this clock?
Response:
4.52.48
